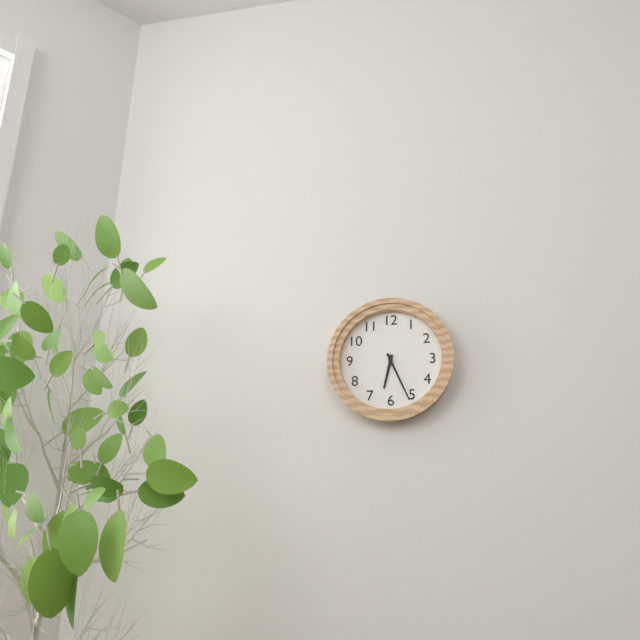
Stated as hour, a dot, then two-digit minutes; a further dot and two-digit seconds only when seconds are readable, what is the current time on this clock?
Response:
6.26
